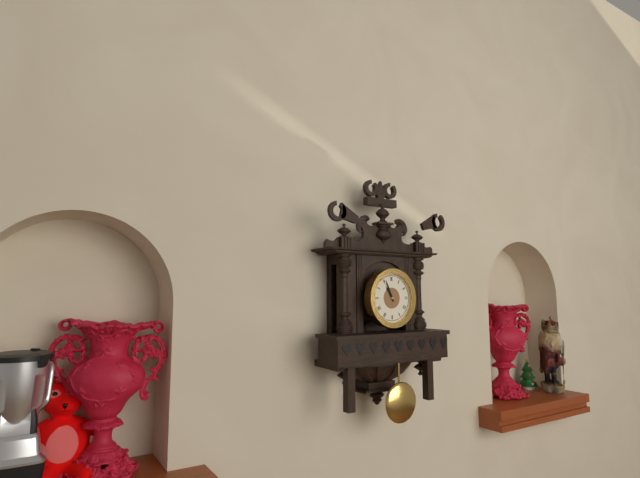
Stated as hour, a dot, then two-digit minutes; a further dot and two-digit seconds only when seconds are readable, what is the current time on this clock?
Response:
10.56
